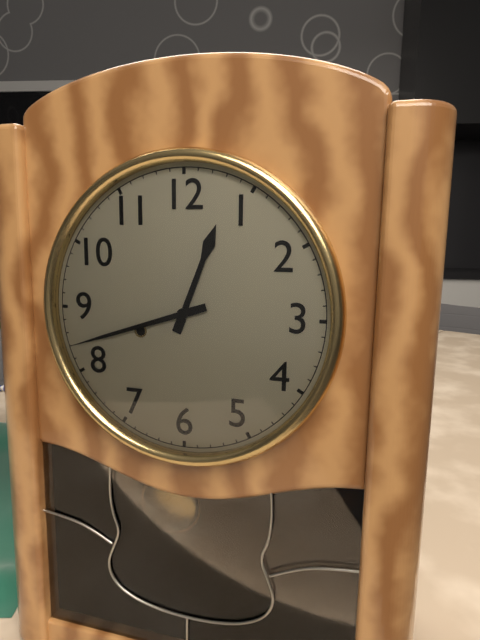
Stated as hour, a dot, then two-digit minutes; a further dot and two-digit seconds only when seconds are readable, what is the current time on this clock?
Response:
12.42
